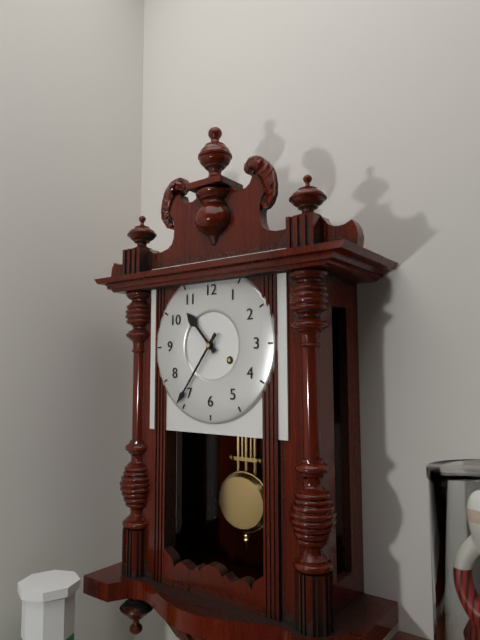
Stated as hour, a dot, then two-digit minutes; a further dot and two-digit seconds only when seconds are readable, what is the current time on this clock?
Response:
10.36
